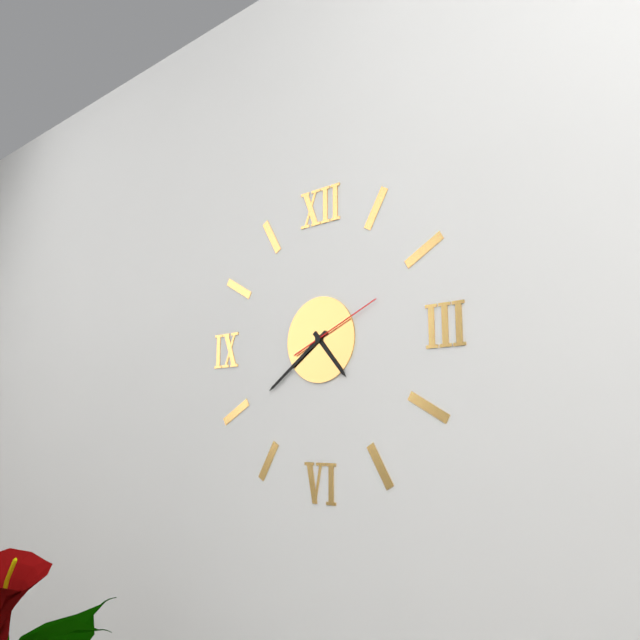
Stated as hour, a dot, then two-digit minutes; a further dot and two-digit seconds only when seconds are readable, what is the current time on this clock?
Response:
4.39.11
